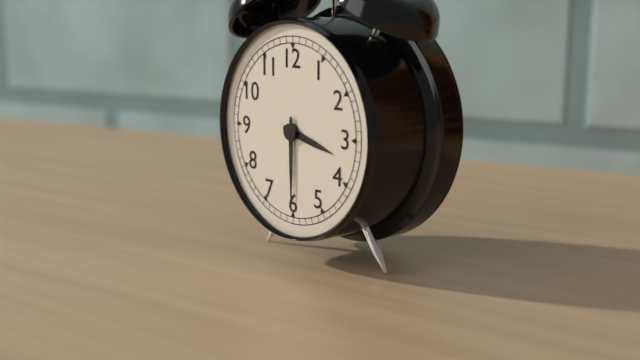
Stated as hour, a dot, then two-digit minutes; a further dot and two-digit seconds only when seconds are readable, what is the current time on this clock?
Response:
3.30
